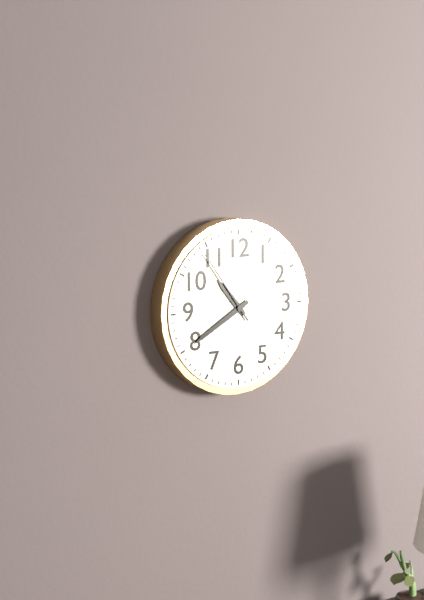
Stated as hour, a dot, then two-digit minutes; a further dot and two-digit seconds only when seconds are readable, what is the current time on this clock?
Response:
10.40.54
